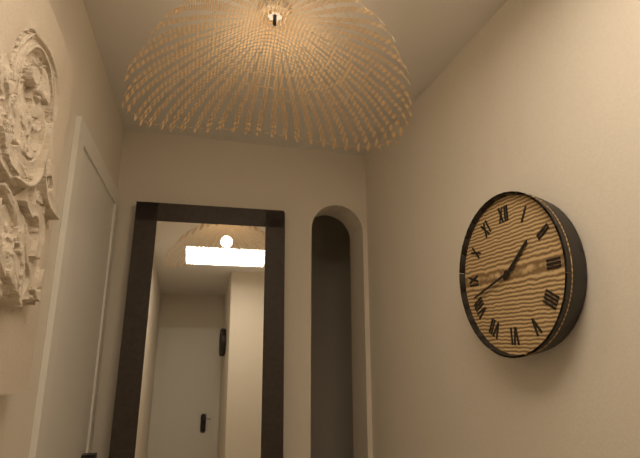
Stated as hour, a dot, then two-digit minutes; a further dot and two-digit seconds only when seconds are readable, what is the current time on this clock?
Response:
1.42
